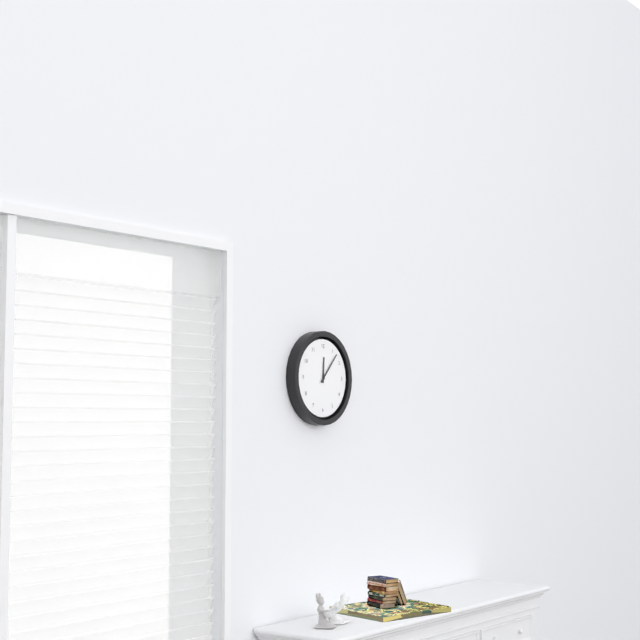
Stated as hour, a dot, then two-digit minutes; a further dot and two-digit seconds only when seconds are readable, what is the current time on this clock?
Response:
12.07
